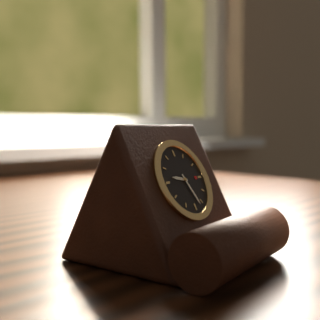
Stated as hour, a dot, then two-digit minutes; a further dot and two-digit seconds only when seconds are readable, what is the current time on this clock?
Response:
9.27
